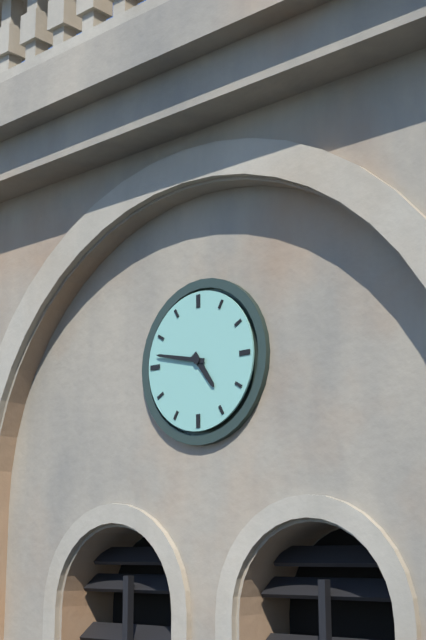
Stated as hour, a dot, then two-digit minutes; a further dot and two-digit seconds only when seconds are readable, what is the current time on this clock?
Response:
4.47
